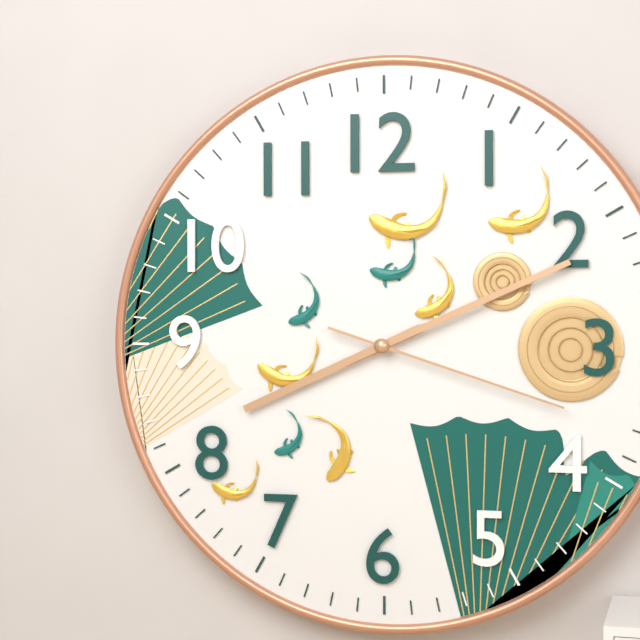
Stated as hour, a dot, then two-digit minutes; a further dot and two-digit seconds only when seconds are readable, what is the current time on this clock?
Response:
8.11.18
